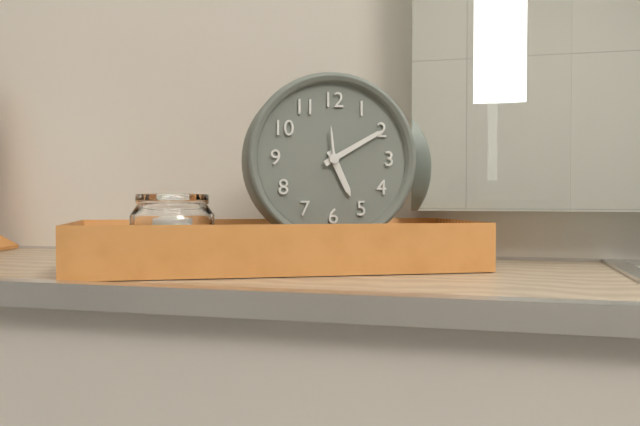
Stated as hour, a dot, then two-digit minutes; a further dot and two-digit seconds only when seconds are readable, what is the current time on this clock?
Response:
5.10
